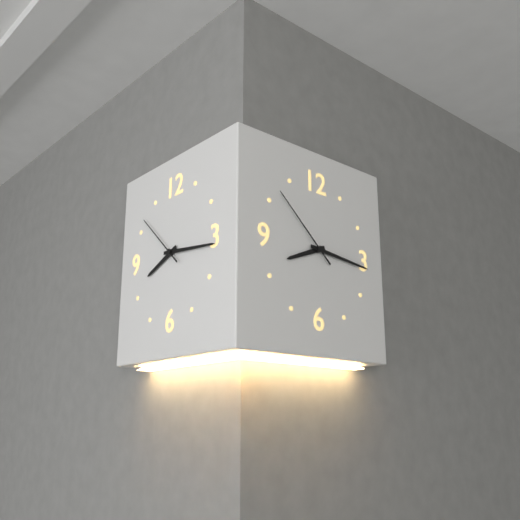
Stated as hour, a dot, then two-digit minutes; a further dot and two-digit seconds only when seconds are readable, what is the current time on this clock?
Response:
8.16.52
